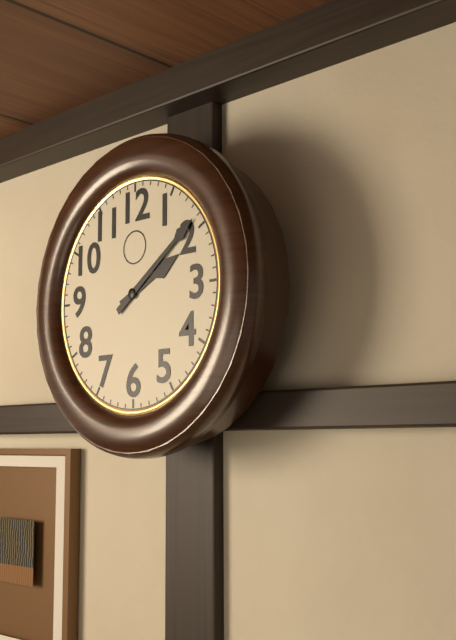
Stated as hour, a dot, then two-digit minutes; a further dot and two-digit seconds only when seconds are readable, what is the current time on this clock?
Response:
2.09
